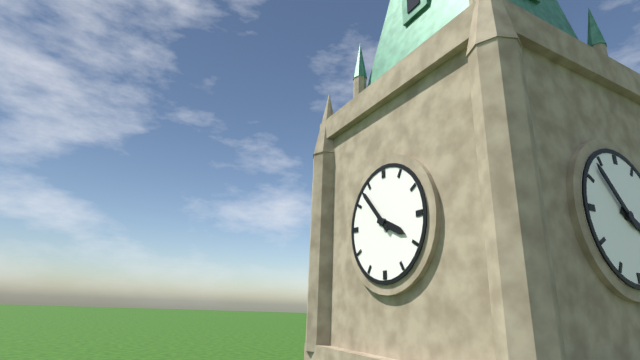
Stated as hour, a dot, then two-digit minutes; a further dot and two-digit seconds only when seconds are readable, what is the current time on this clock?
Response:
3.53
